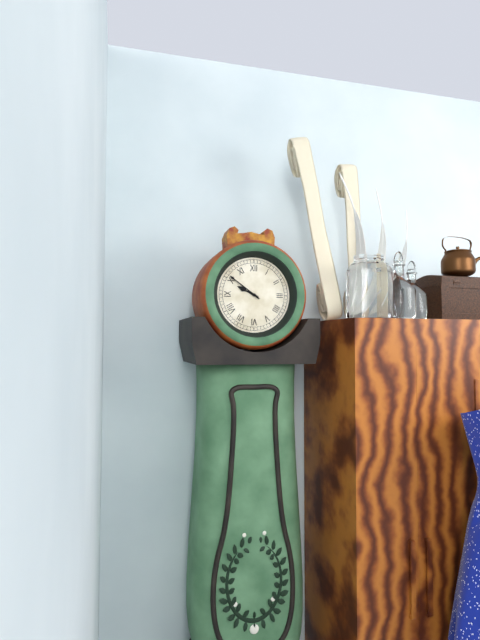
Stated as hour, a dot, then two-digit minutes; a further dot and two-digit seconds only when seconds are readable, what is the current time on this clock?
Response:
9.51
